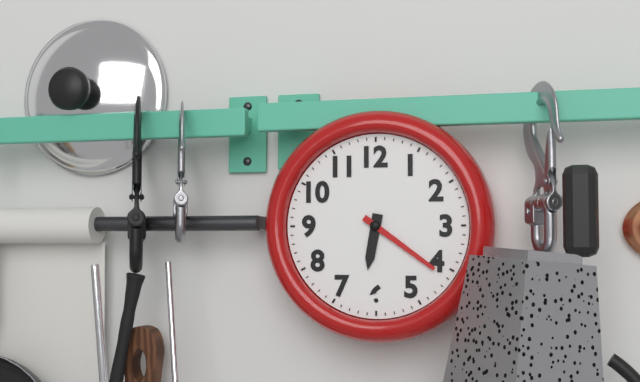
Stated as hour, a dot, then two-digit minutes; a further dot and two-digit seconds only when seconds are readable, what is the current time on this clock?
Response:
6.21
